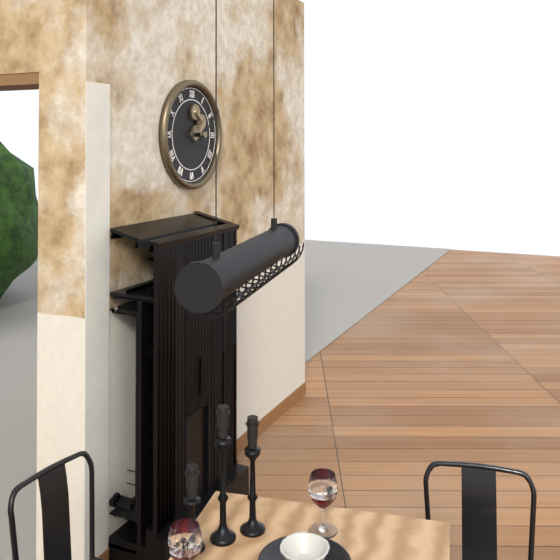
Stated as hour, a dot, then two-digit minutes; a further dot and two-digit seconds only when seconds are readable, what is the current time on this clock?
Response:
8.08
